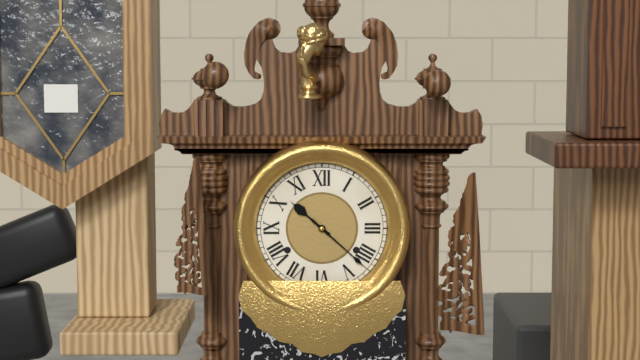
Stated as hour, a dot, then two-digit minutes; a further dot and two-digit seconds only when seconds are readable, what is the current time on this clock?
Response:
10.22
